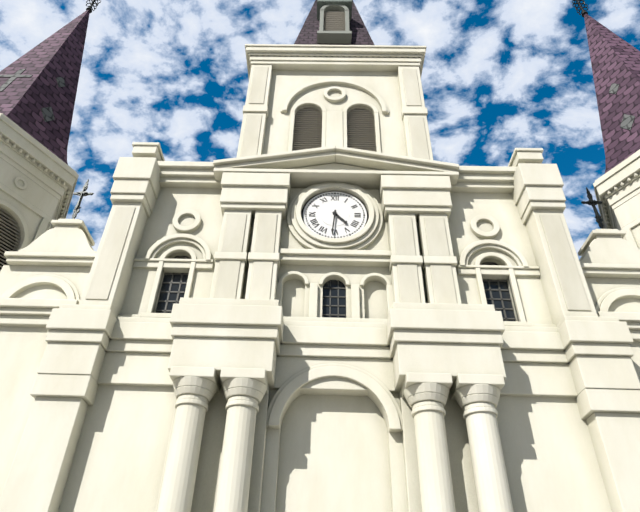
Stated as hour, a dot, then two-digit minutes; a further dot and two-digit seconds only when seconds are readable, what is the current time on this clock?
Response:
4.31
